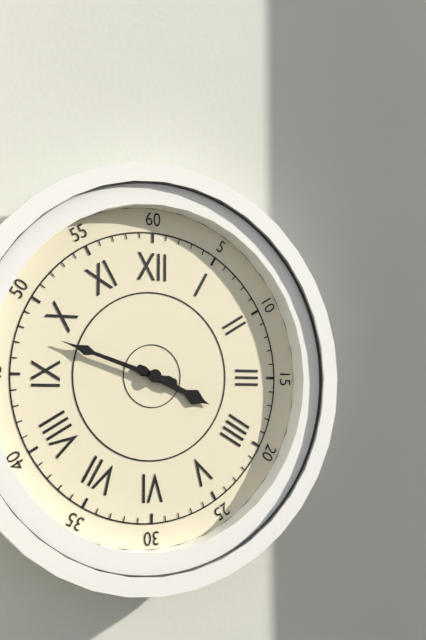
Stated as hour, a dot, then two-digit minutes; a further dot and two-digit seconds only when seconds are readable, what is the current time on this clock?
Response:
3.48
